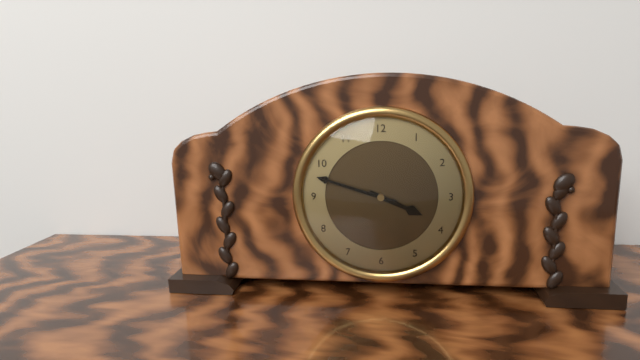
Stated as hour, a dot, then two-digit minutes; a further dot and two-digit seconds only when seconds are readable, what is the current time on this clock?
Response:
3.48
